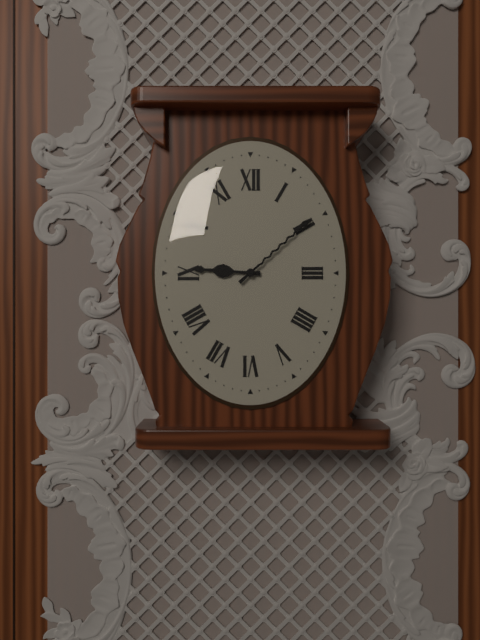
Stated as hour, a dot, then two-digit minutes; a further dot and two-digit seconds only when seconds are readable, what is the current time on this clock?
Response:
9.08
